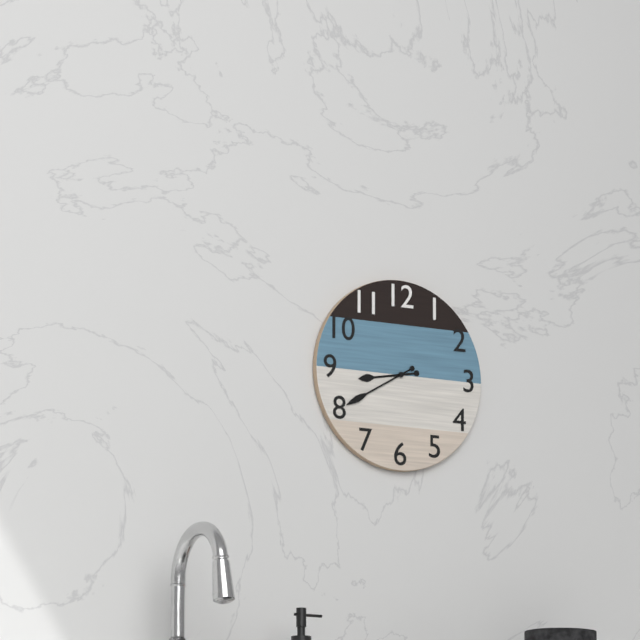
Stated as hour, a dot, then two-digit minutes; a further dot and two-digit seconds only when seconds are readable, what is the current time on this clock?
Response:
8.40
